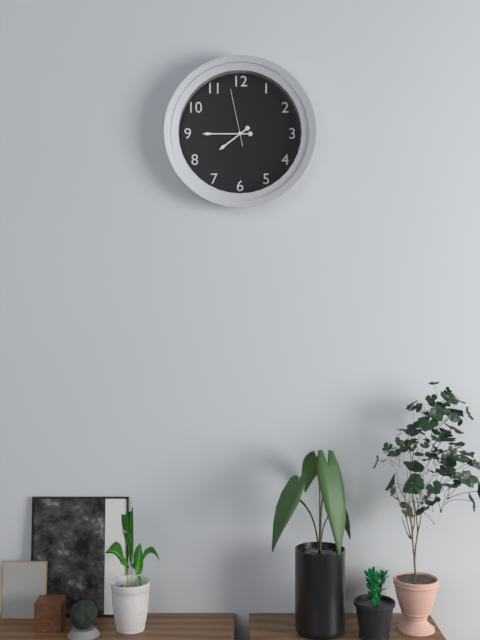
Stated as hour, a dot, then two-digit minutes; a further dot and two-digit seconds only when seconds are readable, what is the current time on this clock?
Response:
7.45.58
